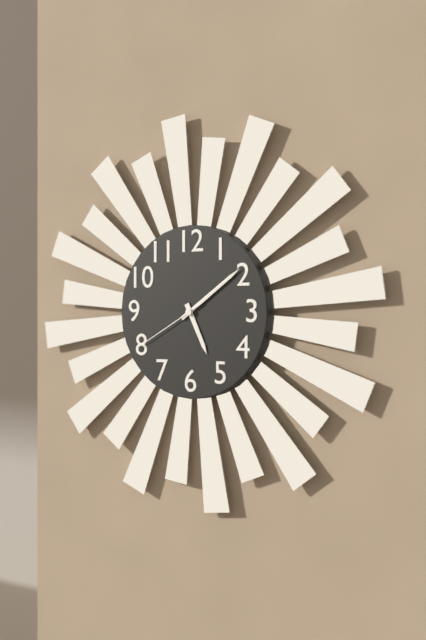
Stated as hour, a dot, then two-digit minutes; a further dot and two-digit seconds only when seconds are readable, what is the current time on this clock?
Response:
5.09.40
